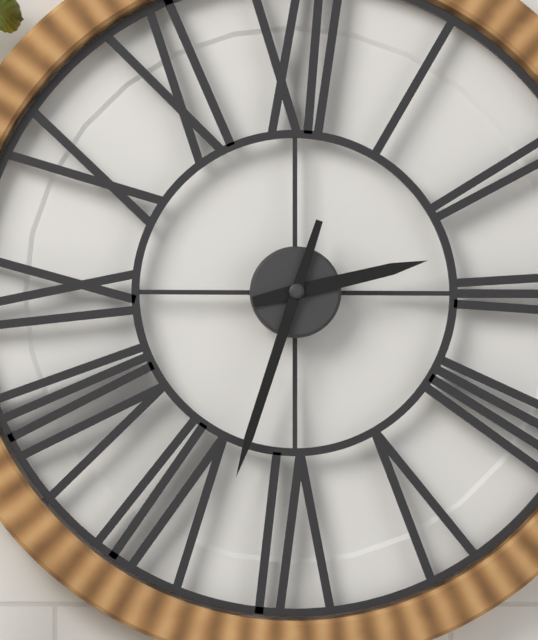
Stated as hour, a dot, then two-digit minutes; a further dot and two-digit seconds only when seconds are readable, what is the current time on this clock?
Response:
2.33
